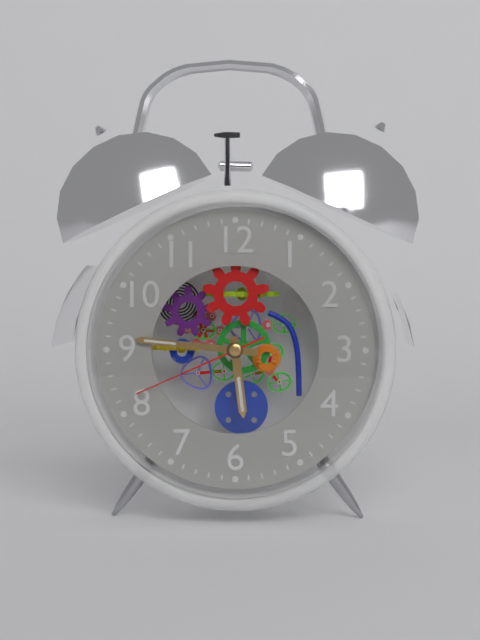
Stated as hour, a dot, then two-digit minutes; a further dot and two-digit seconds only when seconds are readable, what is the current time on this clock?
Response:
5.46.41
